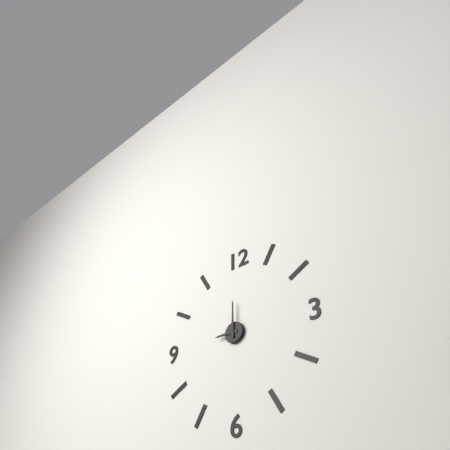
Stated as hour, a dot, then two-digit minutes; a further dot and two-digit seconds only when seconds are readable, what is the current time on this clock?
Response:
9.00
